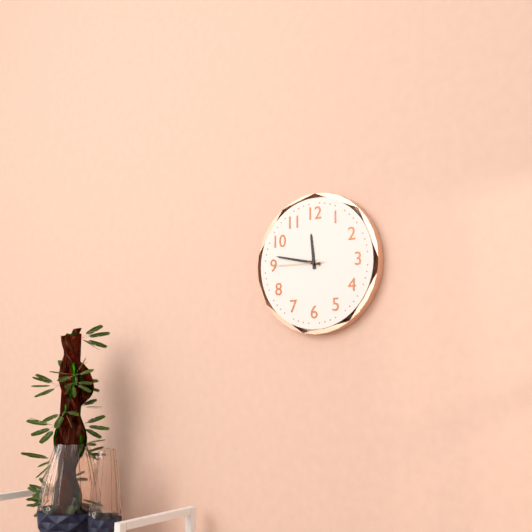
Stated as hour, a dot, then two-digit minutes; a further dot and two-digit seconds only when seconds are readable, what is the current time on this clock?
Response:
11.47.45
